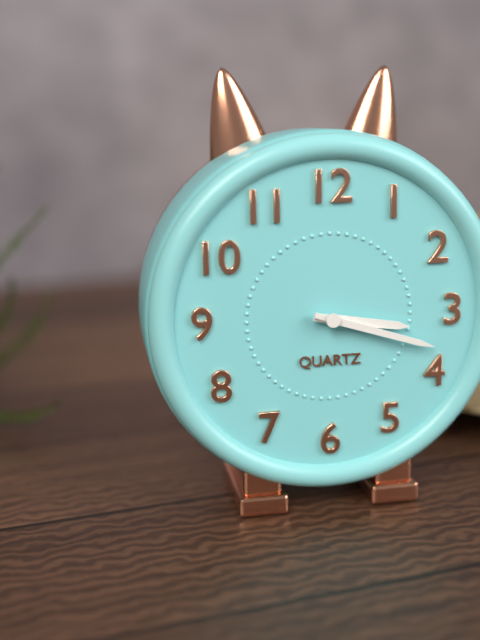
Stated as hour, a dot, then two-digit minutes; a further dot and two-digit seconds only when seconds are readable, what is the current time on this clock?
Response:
3.18
